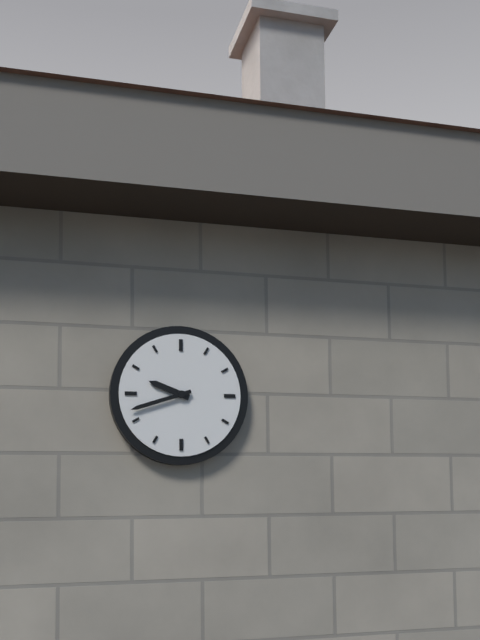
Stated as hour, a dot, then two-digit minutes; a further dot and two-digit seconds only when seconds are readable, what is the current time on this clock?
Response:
9.42
